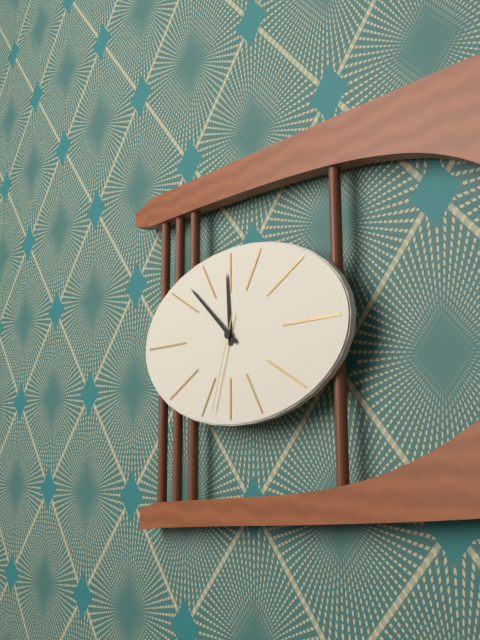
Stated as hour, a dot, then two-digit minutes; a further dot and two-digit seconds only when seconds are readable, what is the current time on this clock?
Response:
11.52.33
